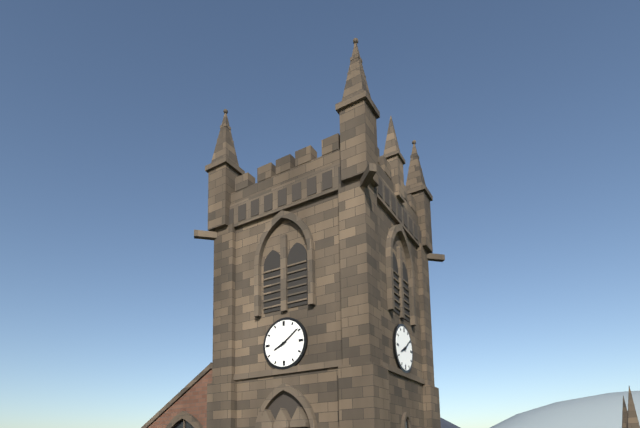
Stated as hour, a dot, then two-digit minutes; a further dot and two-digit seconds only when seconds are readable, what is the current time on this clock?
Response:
8.09
